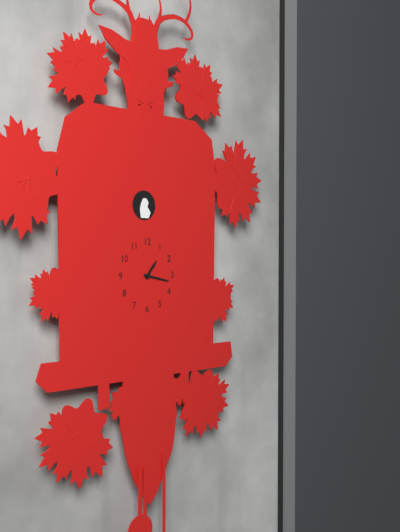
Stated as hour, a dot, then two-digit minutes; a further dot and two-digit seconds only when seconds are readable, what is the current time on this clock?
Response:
1.17
